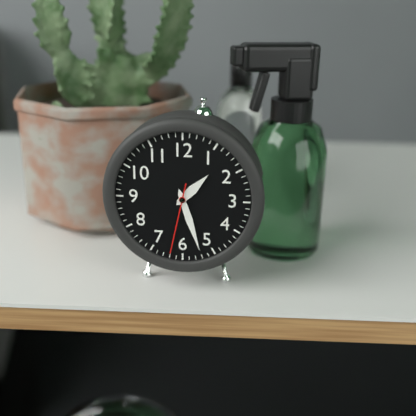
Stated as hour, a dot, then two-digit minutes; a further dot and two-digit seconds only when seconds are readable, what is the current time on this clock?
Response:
1.27.32
